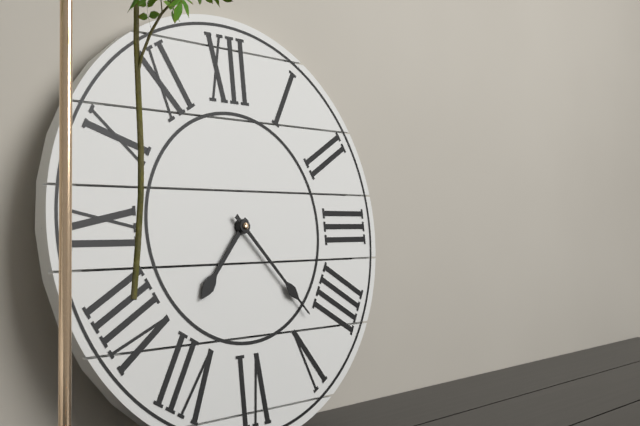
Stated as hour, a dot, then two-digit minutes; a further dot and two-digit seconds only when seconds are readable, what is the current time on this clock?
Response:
7.23
